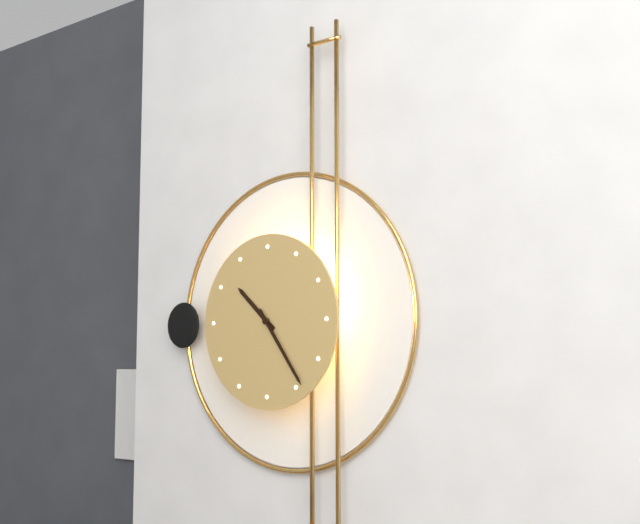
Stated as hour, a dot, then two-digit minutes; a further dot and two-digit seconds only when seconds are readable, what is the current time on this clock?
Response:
10.24
